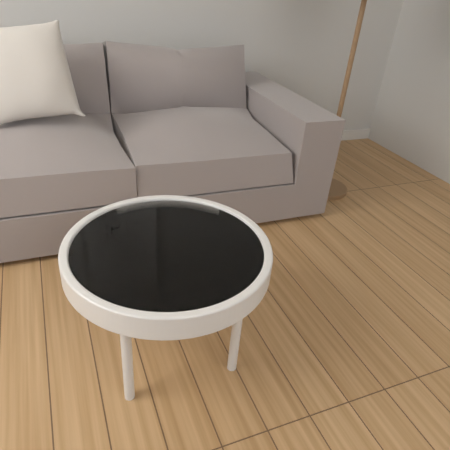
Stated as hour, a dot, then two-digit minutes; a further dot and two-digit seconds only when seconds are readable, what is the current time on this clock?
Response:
12.55
